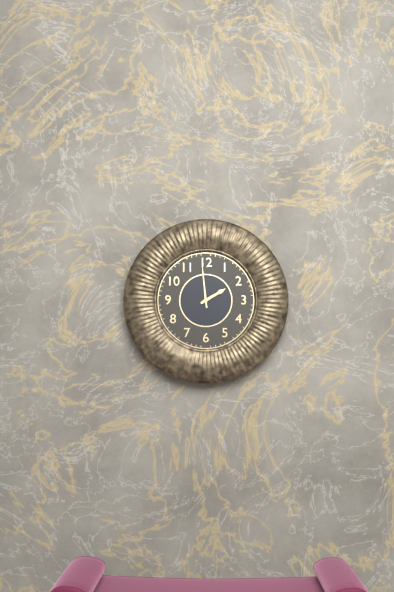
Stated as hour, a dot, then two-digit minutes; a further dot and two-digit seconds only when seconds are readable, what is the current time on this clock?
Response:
1.59
